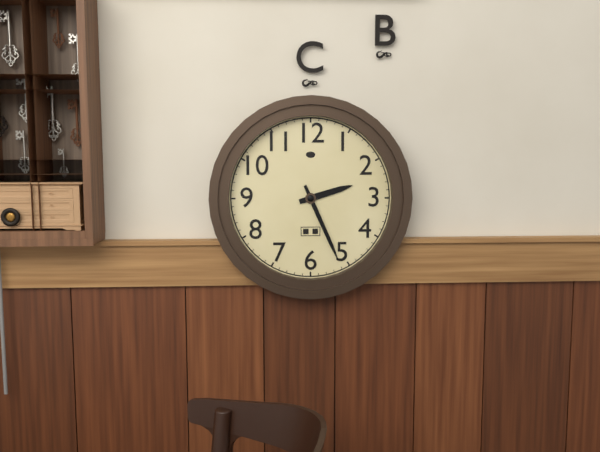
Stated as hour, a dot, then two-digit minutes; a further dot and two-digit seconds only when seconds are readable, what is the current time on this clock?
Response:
2.26
